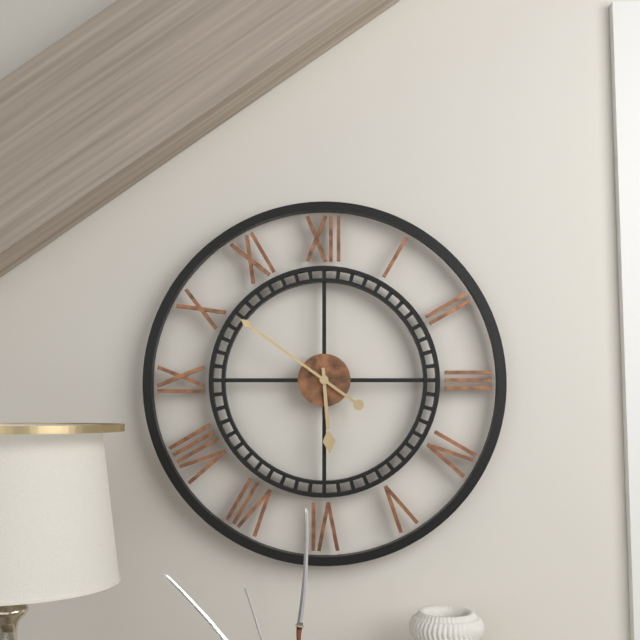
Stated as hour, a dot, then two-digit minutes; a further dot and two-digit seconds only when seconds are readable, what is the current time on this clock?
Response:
5.51
